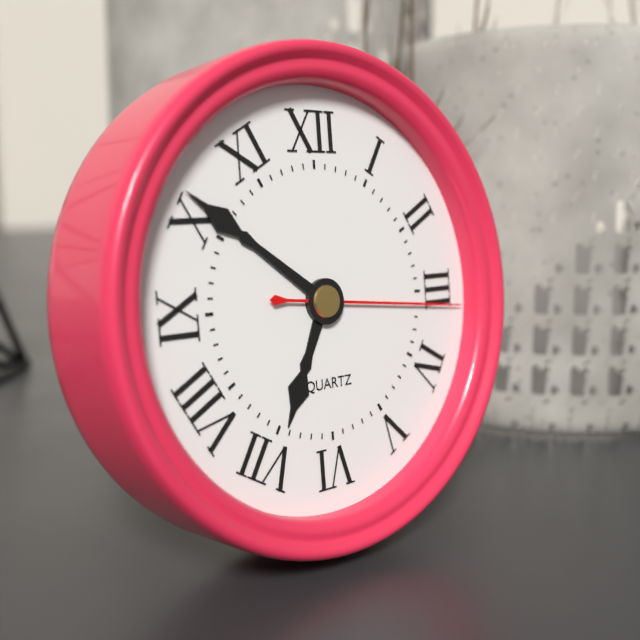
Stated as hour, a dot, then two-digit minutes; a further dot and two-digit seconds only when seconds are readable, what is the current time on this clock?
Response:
6.51.16
